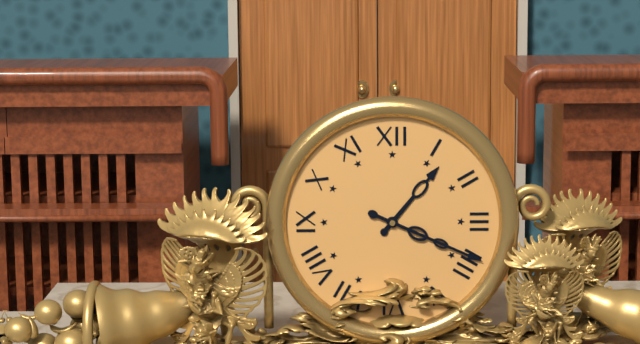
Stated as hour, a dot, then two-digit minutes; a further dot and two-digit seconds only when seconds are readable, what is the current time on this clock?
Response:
1.19
